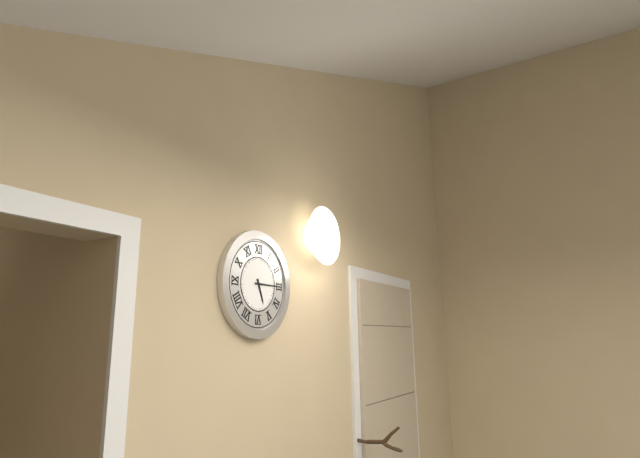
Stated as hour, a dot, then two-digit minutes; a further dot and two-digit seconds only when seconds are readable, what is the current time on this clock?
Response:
5.15
